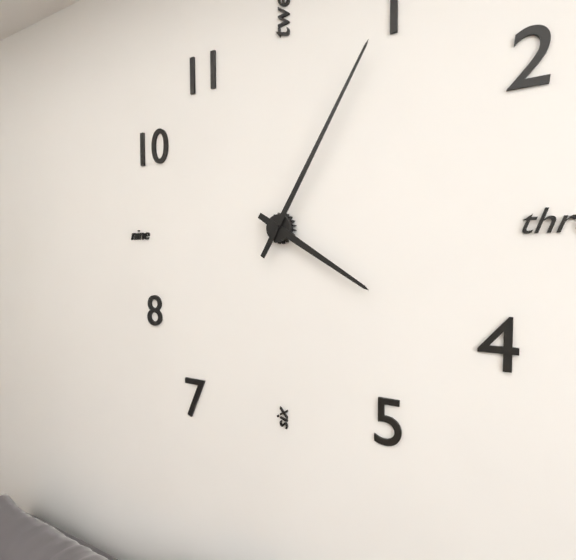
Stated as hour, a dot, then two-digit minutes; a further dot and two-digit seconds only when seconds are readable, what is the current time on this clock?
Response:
4.05
